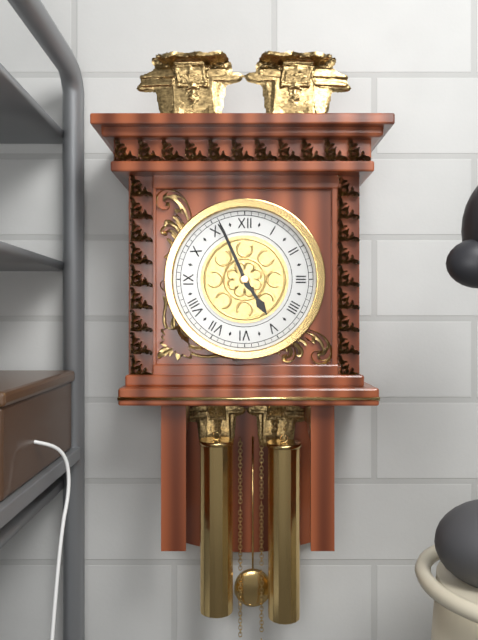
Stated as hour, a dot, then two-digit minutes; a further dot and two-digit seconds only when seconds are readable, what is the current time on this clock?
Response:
4.56
